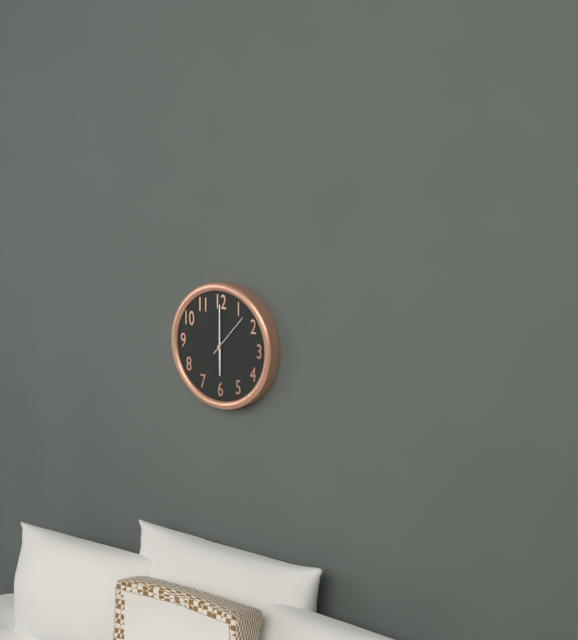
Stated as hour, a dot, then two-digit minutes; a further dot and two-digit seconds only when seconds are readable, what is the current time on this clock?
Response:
6.00
